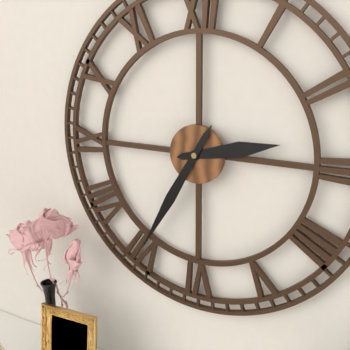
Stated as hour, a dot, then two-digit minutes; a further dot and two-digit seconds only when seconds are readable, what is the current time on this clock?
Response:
2.35
